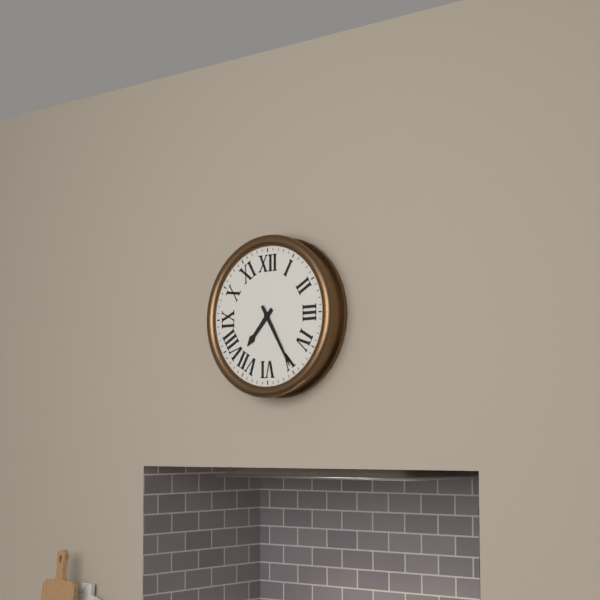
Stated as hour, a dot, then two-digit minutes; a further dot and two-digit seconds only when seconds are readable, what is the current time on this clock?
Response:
7.25
